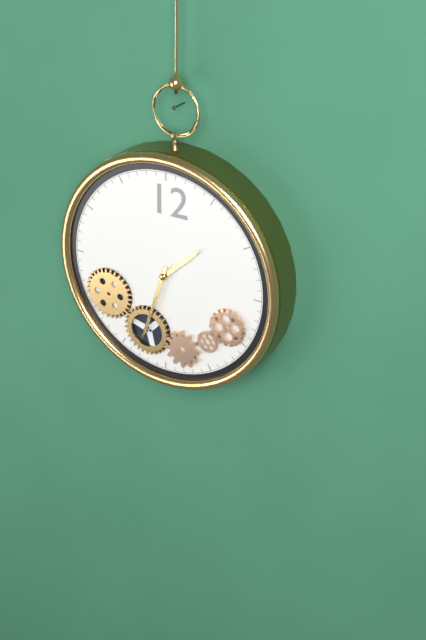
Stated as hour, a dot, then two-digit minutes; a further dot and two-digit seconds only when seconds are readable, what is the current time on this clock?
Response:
1.33
